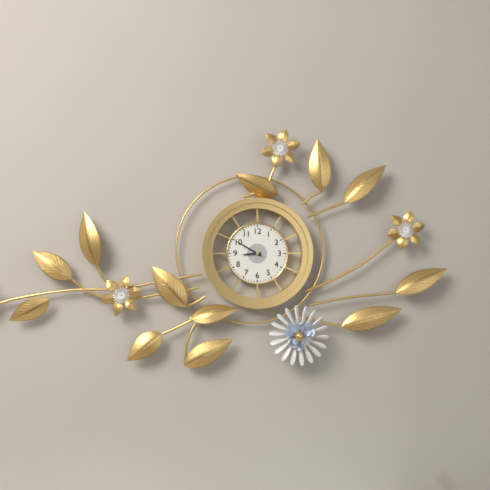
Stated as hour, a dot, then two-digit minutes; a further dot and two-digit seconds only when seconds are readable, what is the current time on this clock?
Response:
8.50
